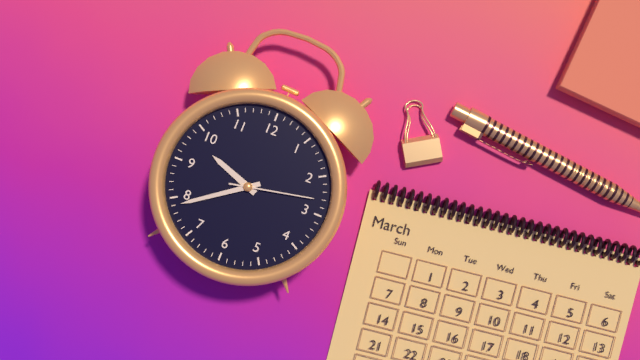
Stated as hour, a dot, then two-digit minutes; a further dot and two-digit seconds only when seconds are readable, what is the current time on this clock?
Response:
9.39.13
